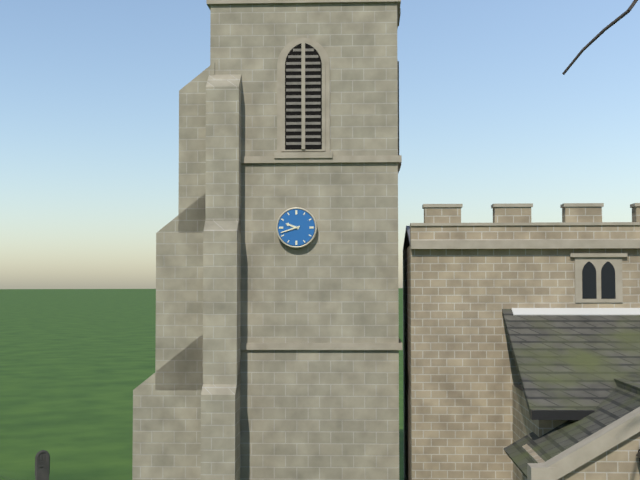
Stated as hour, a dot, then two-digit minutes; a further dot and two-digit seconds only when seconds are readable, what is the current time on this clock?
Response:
9.42
